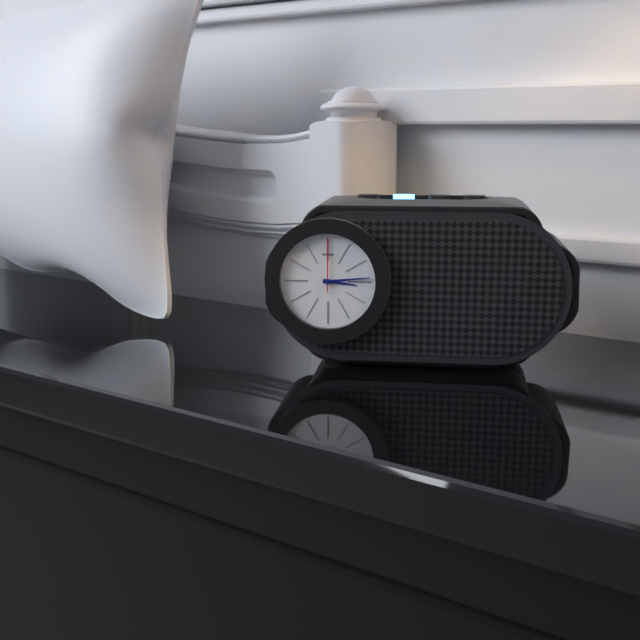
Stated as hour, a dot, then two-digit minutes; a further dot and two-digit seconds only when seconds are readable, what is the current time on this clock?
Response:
3.14
